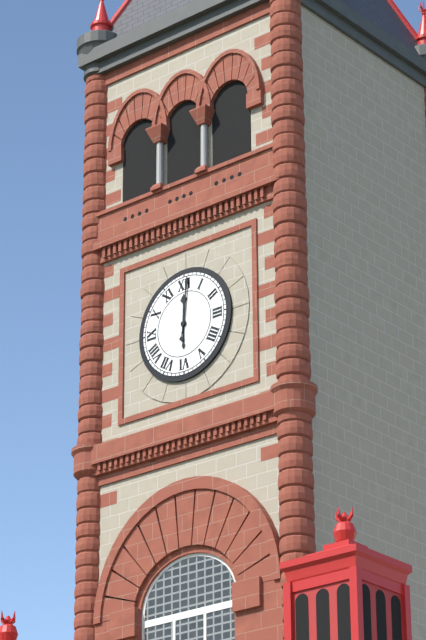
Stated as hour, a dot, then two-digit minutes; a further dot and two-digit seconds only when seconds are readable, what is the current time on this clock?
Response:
12.01
